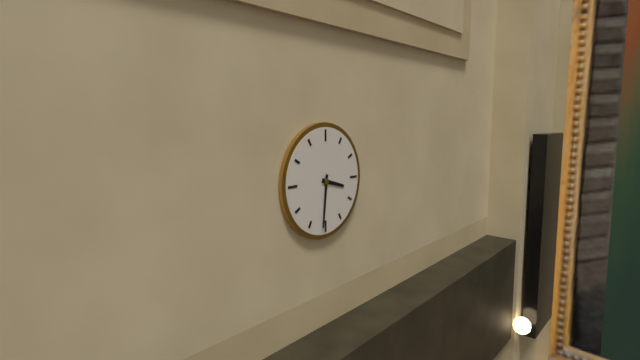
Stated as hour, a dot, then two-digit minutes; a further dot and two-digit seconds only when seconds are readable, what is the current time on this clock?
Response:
3.31
